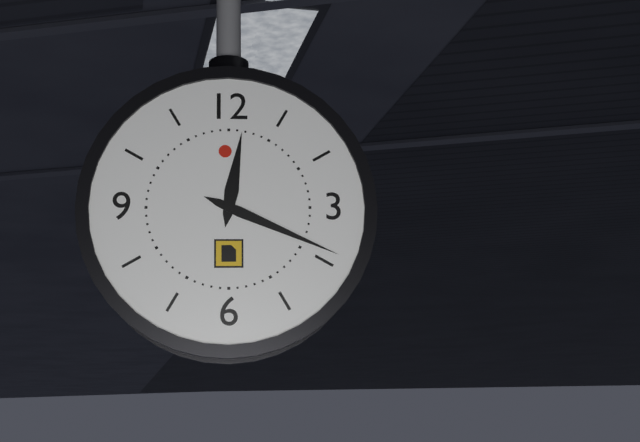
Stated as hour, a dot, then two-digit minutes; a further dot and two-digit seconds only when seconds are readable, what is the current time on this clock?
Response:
12.19
